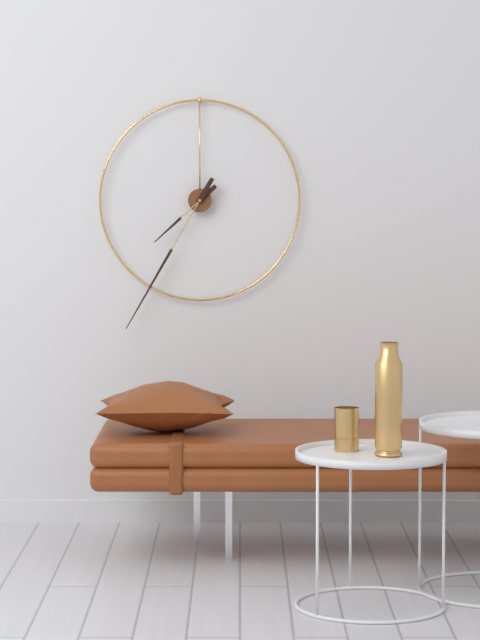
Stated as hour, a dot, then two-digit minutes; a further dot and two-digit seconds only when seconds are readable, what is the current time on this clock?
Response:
7.35
